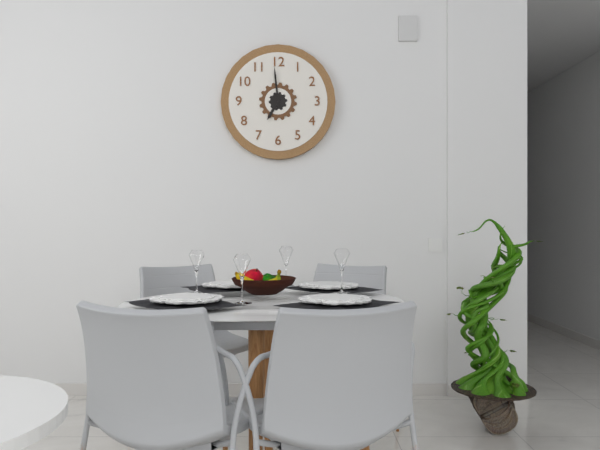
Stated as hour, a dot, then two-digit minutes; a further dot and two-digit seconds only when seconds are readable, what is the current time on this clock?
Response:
6.59
